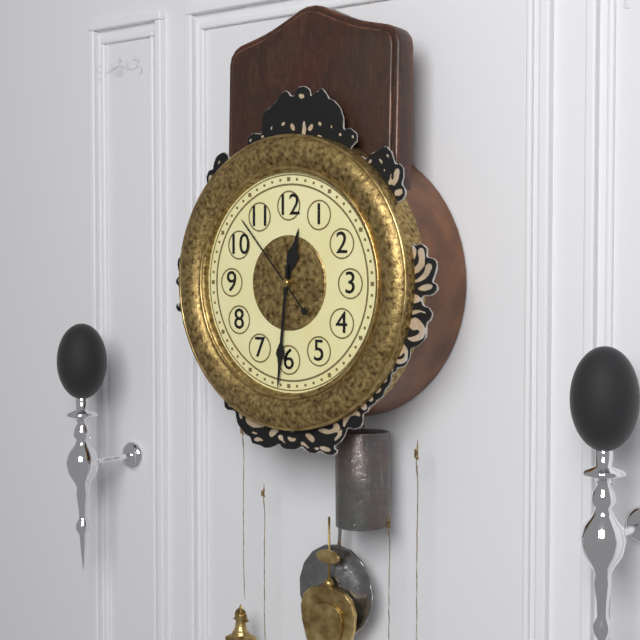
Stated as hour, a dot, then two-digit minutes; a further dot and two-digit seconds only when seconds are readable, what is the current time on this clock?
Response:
12.31.53
